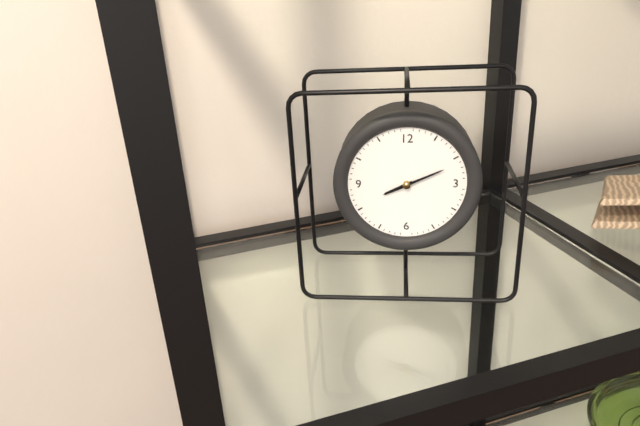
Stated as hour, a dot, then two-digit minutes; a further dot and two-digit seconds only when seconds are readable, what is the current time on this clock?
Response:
8.11
